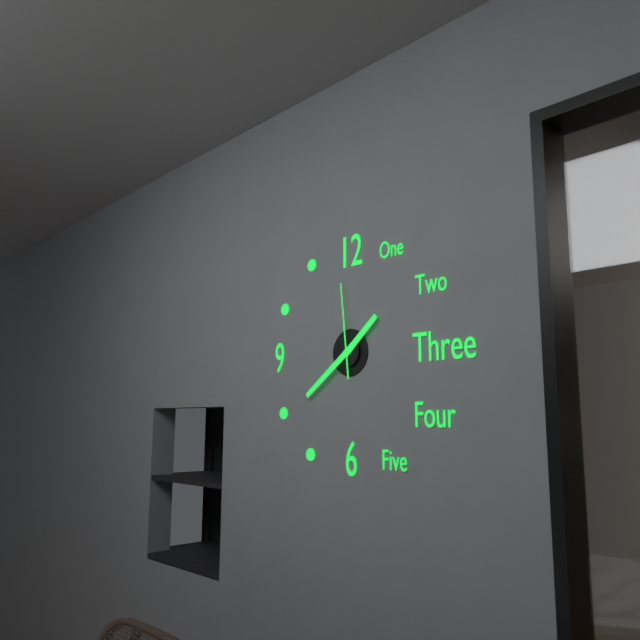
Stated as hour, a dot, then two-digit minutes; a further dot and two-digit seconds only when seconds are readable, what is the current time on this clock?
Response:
1.39.59
